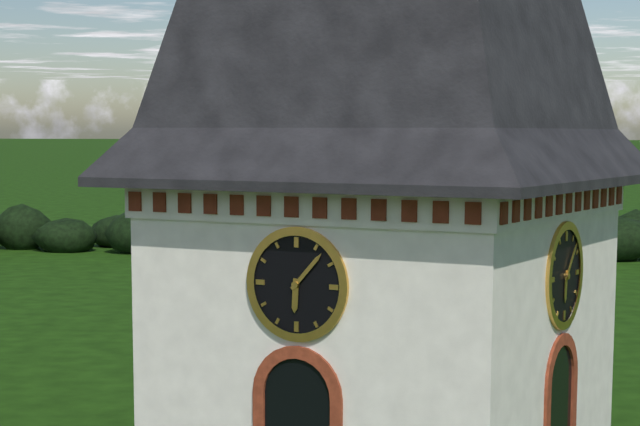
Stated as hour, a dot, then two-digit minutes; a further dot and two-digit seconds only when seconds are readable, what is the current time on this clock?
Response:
6.07
